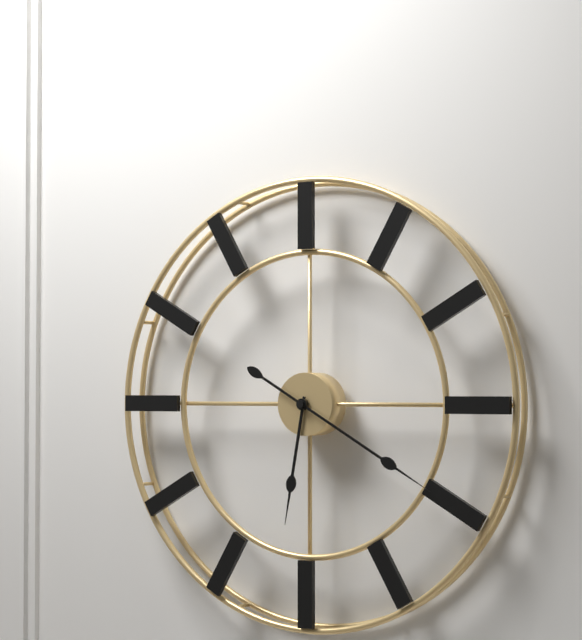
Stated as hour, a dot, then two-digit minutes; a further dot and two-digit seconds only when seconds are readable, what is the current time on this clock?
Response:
6.20
